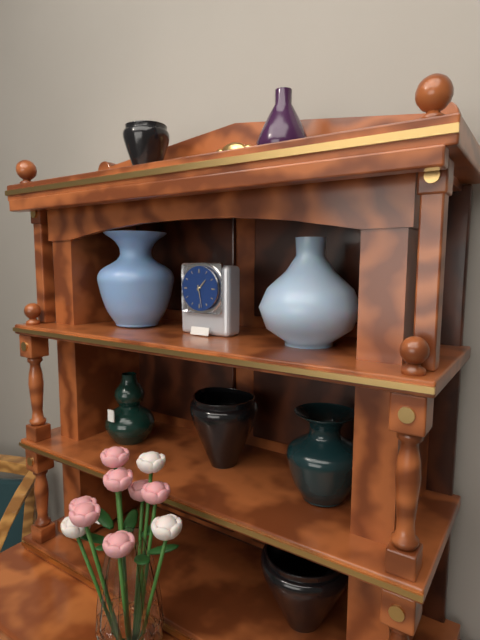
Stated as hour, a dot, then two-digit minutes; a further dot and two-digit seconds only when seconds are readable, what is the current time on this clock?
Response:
1.28
